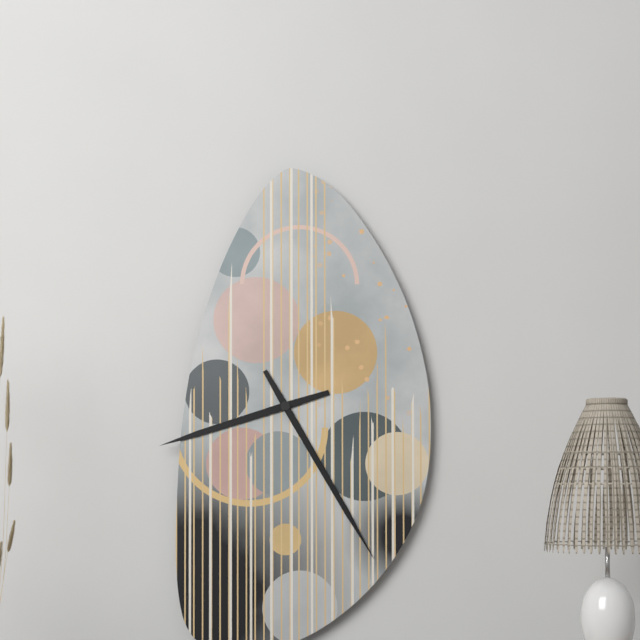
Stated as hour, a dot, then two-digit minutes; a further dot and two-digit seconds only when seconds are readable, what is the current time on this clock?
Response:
8.25
